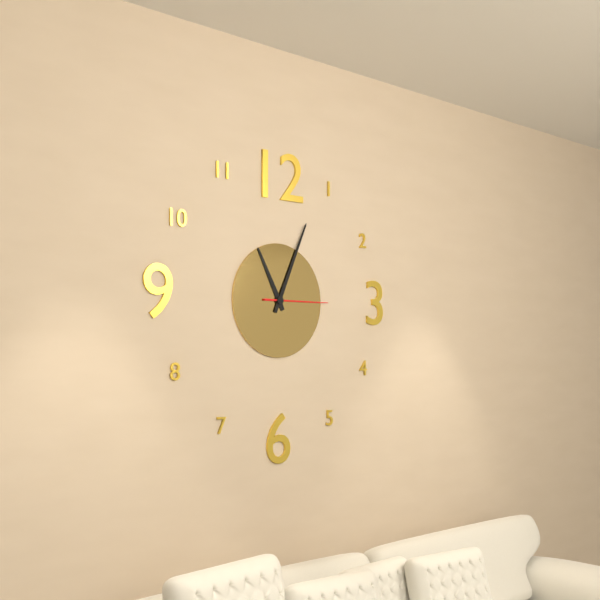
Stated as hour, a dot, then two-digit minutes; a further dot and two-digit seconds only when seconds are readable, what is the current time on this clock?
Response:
11.04.15
